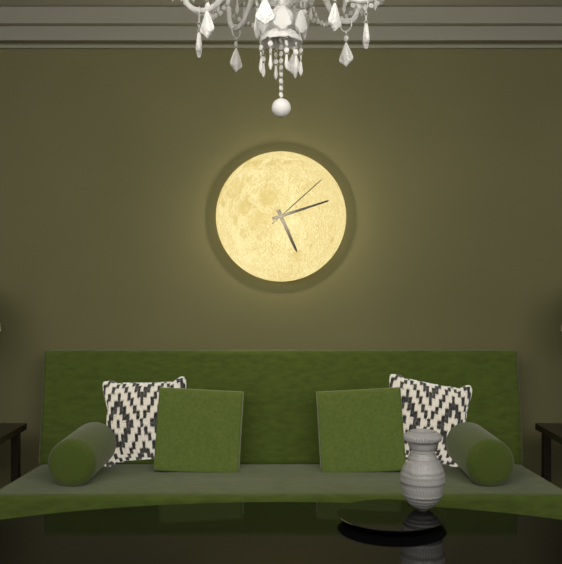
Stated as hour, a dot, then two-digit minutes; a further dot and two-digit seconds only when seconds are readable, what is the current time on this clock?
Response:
5.12.08
